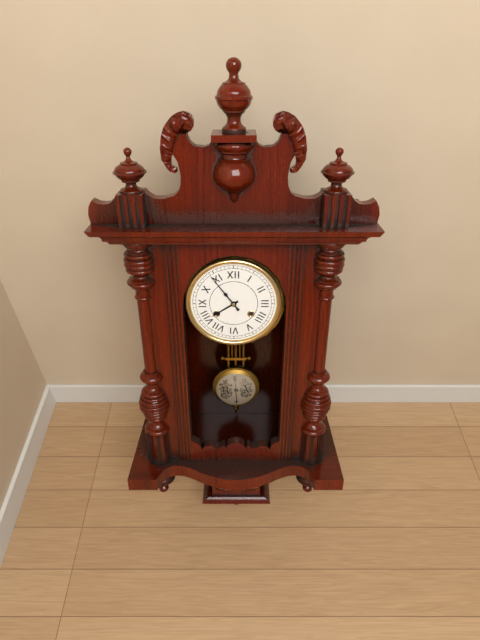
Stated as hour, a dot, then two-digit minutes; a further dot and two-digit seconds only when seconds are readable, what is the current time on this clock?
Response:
7.54
